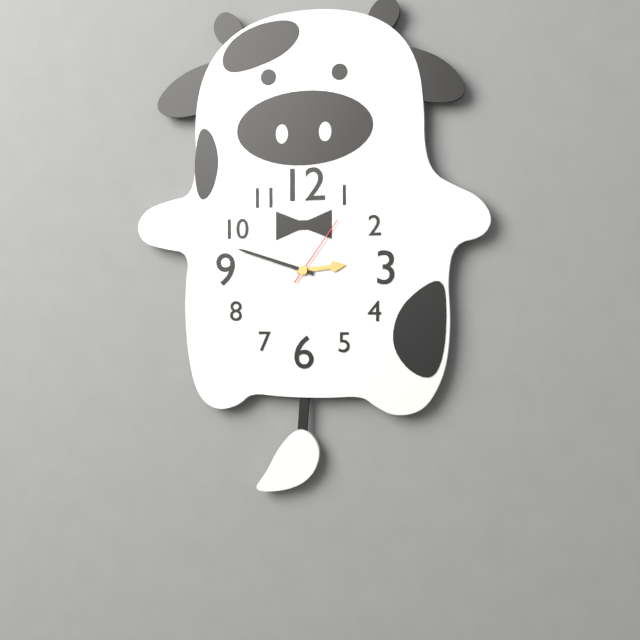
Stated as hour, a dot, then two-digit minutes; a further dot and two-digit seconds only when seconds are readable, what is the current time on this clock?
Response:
2.48.06
